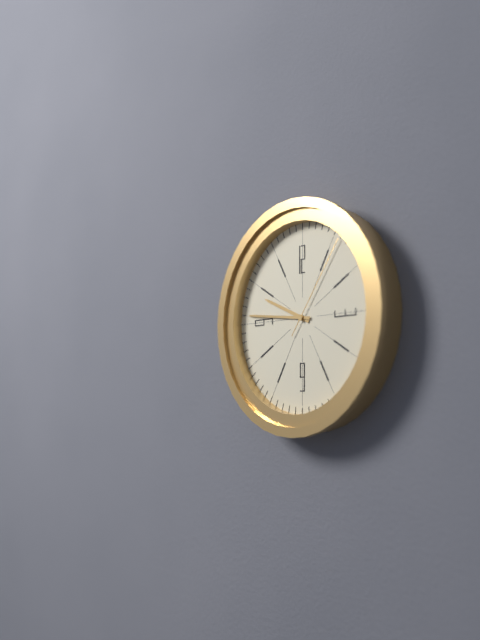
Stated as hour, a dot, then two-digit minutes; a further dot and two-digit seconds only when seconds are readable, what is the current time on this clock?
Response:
9.46.06
